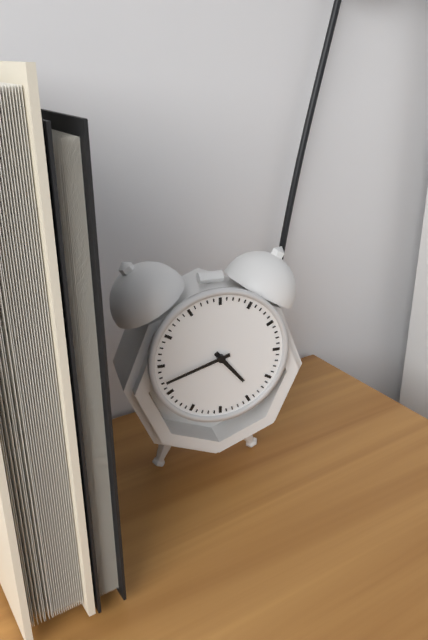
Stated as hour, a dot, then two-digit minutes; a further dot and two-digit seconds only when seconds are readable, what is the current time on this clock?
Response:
4.42
